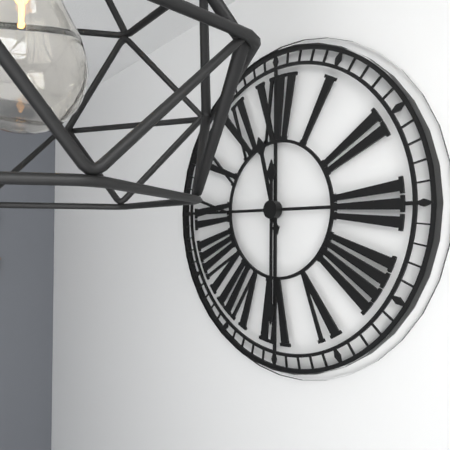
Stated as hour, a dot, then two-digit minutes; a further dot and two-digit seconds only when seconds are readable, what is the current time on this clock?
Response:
11.30
